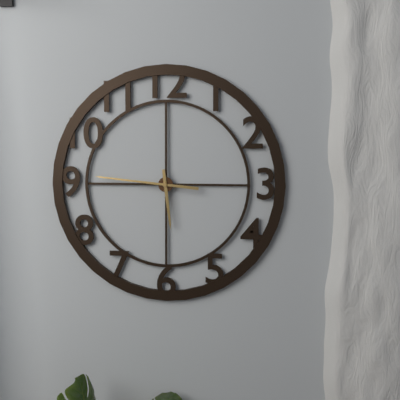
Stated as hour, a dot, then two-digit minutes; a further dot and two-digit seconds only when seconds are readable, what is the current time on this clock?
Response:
5.46
